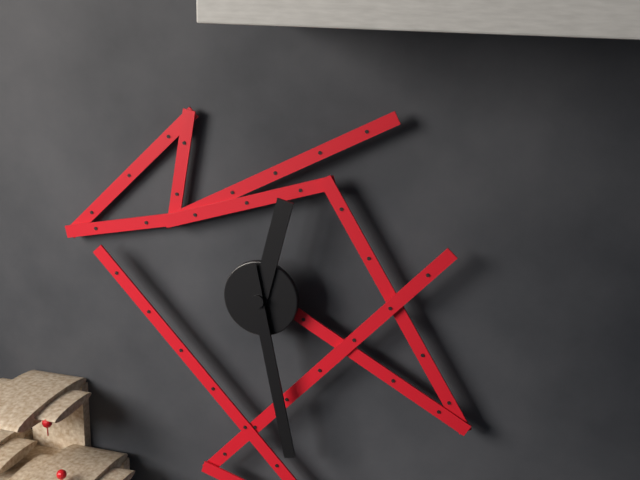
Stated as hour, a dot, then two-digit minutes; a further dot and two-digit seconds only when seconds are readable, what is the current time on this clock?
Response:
12.28
